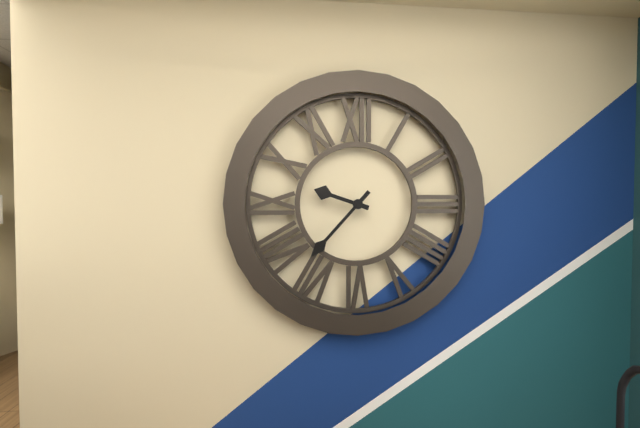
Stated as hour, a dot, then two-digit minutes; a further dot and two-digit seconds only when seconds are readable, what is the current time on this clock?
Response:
9.37
